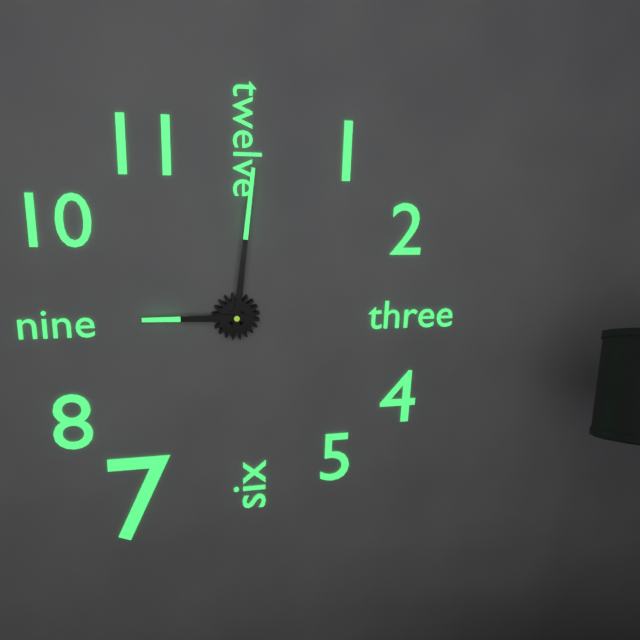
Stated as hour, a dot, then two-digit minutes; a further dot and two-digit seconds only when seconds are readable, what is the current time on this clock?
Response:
9.01
